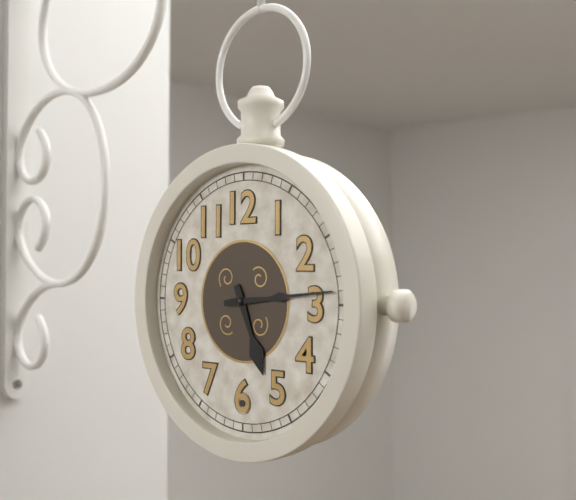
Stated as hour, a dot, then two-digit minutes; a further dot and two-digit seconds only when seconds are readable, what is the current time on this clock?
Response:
5.14
